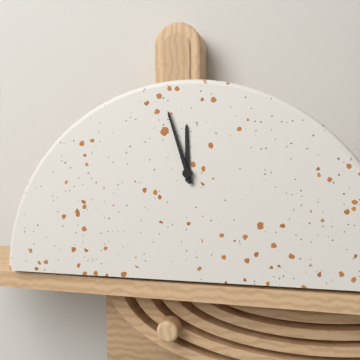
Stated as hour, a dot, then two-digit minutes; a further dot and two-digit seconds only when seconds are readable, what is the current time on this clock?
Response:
11.57
